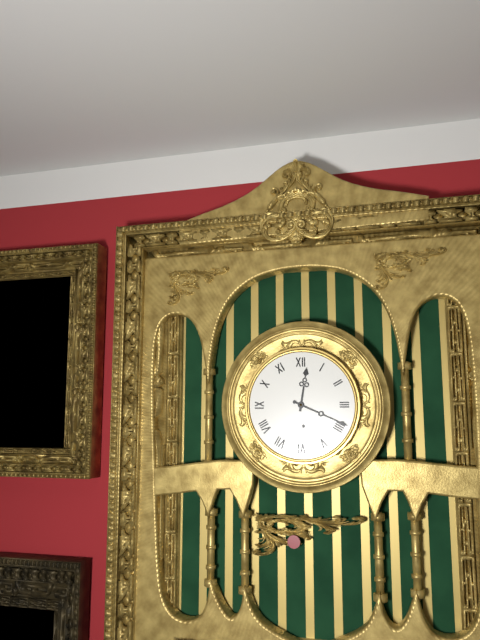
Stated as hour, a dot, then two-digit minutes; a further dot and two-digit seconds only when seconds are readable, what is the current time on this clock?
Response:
12.19
